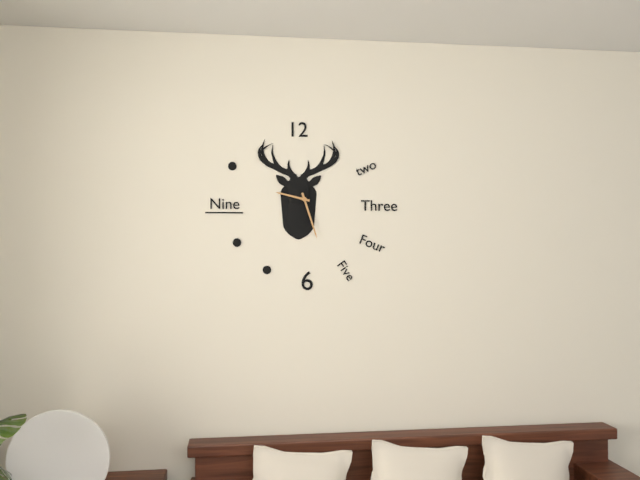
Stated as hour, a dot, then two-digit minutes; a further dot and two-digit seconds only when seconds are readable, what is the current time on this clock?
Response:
9.27
